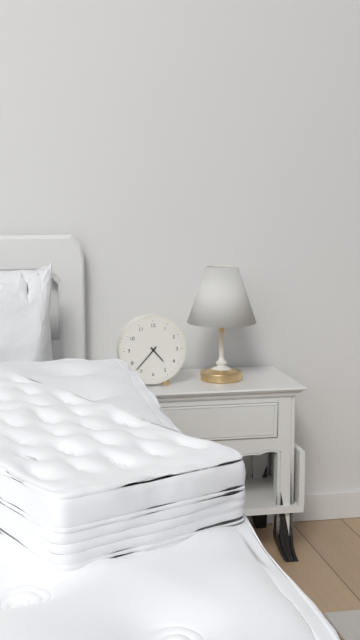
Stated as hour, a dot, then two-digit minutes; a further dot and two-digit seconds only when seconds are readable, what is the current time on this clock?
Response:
4.37
